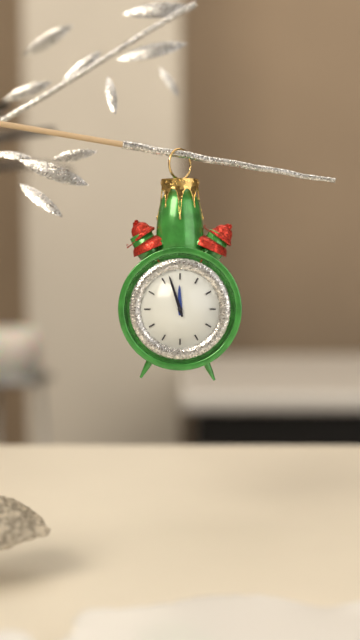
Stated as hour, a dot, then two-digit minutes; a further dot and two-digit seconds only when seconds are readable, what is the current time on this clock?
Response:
11.57
